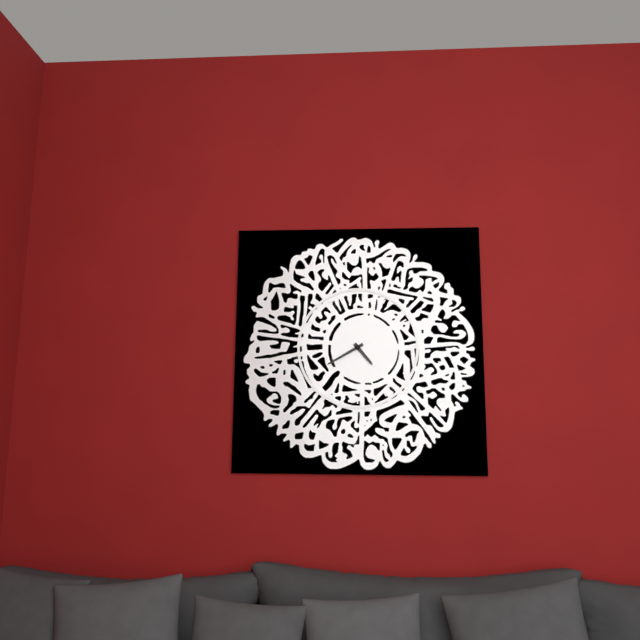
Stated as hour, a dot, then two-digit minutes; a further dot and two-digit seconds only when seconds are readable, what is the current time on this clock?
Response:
4.40
